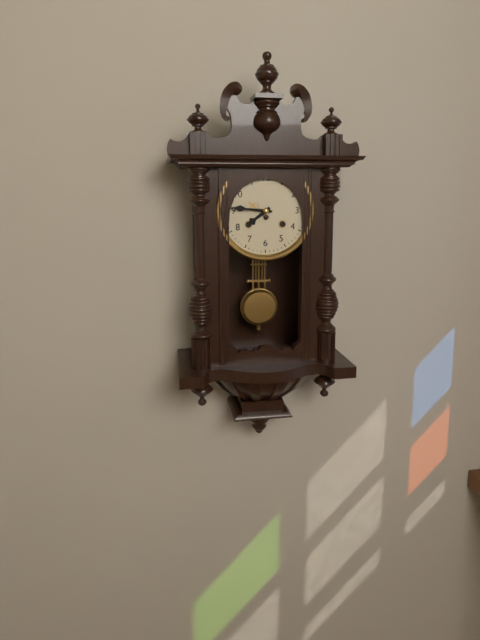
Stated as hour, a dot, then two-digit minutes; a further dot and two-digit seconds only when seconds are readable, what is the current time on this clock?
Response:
7.46
